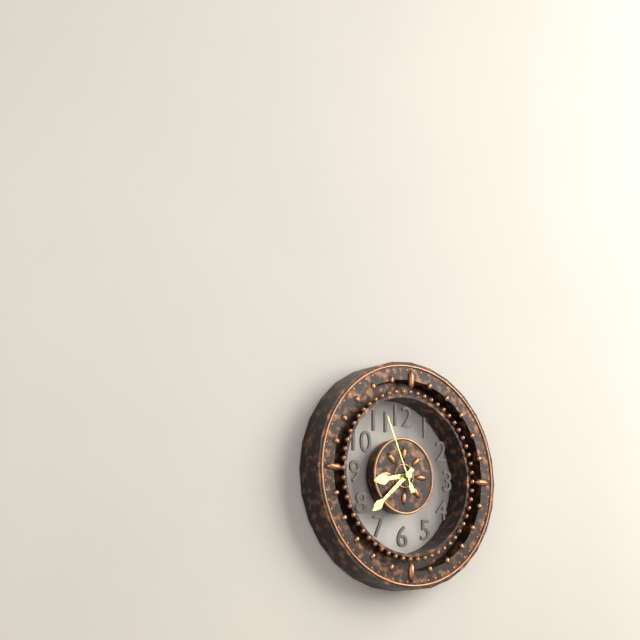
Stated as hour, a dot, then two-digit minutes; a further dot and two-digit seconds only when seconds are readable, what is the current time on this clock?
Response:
8.38.56
